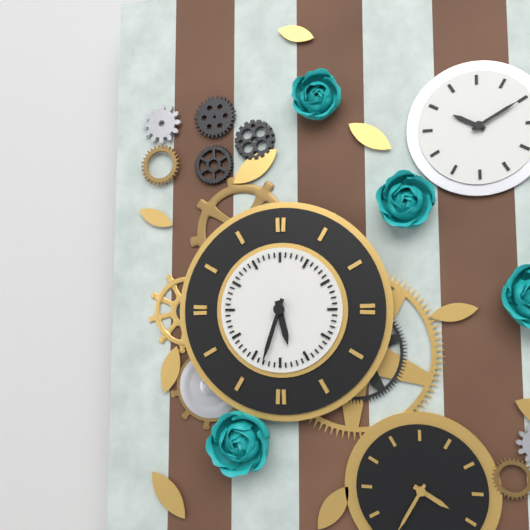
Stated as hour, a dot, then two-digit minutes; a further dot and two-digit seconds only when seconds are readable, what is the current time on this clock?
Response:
5.33
